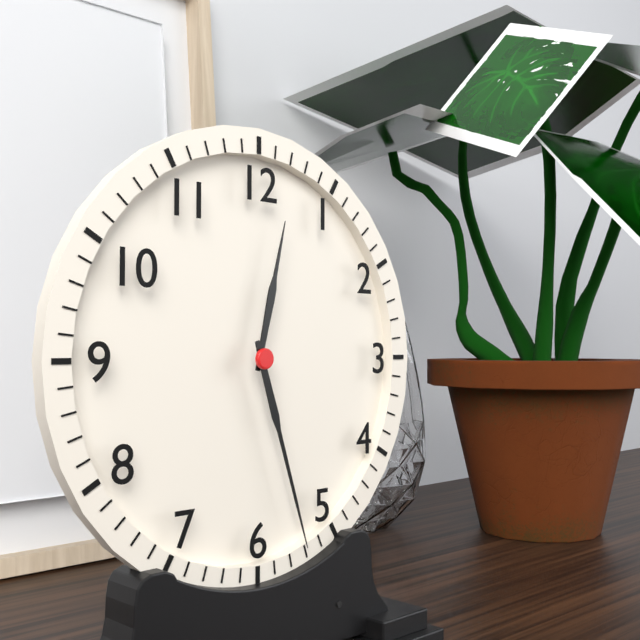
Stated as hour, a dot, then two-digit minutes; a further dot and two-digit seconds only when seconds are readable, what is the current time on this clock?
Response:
12.27
